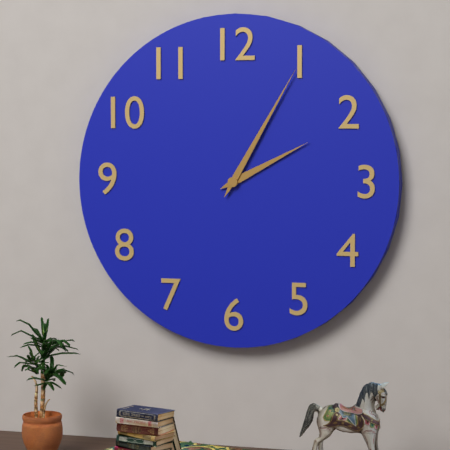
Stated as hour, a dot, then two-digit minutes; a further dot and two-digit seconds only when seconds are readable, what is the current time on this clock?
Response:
2.05
